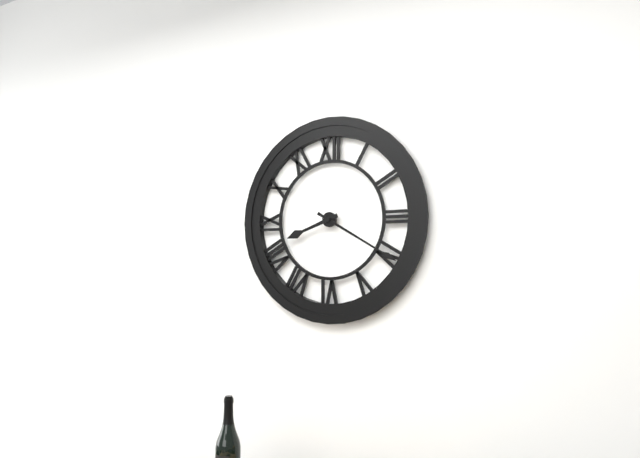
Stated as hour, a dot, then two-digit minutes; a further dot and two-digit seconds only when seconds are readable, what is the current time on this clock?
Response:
8.20
